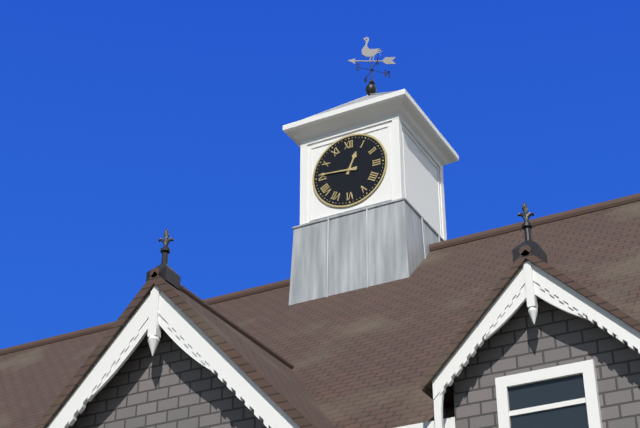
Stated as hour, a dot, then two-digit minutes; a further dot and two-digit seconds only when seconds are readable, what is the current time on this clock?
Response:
12.46
